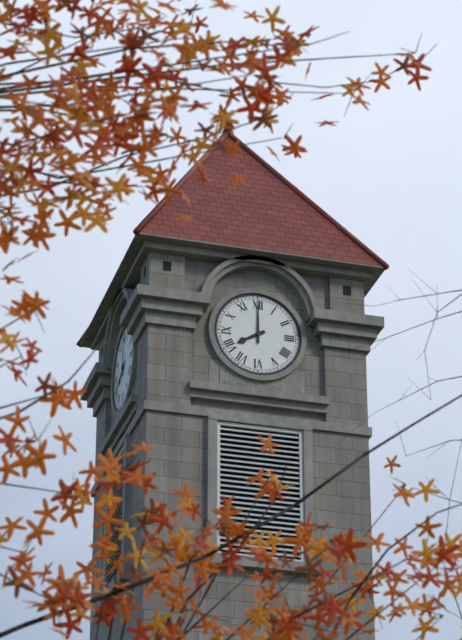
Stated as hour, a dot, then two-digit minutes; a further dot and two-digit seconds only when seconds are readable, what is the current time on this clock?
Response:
8.00
